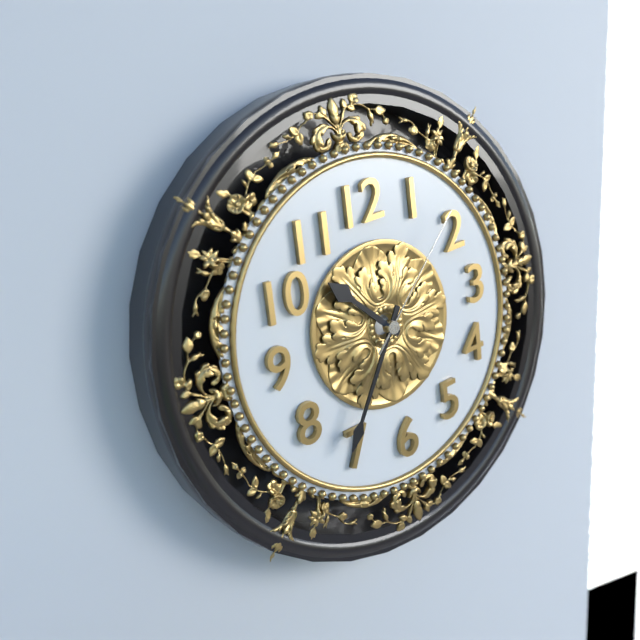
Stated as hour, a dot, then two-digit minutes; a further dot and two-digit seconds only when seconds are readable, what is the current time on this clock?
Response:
10.36.08
